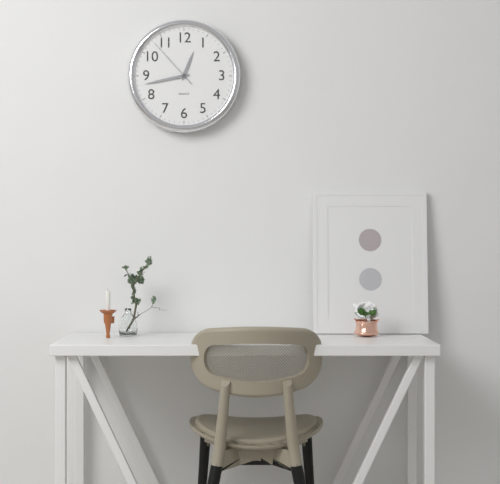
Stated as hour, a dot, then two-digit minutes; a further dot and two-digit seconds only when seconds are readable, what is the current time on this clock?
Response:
12.43.53
